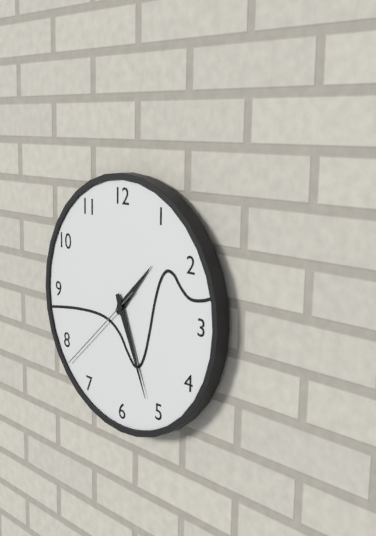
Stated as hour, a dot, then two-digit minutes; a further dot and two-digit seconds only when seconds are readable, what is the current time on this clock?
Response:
1.26.38
